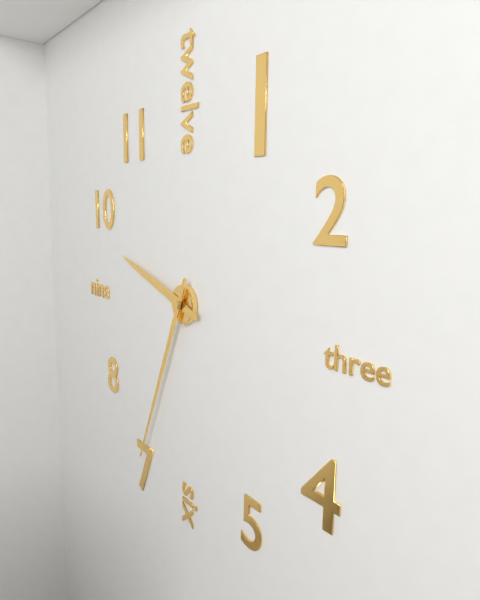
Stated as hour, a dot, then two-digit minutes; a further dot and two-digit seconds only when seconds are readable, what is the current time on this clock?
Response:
9.34
